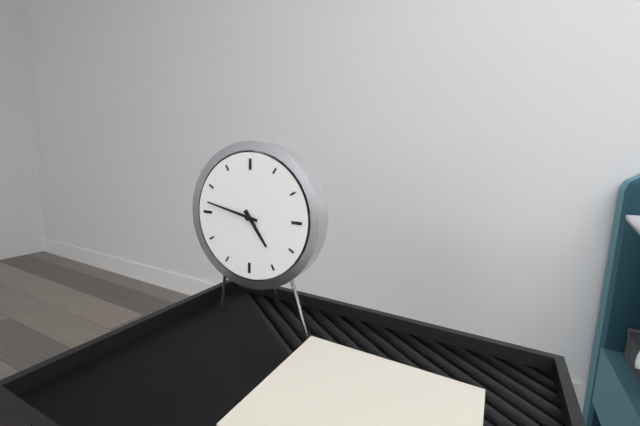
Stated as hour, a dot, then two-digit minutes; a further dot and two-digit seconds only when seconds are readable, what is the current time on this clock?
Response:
4.47
